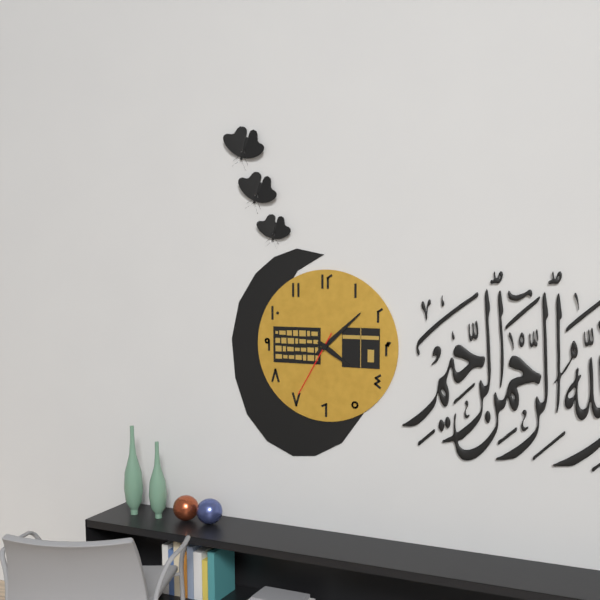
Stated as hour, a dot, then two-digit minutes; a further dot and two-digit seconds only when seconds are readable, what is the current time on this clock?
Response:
4.08.35
